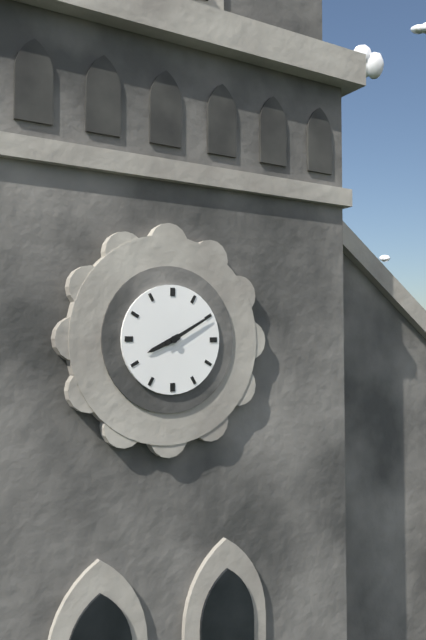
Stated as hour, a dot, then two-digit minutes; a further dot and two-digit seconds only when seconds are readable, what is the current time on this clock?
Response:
8.10
